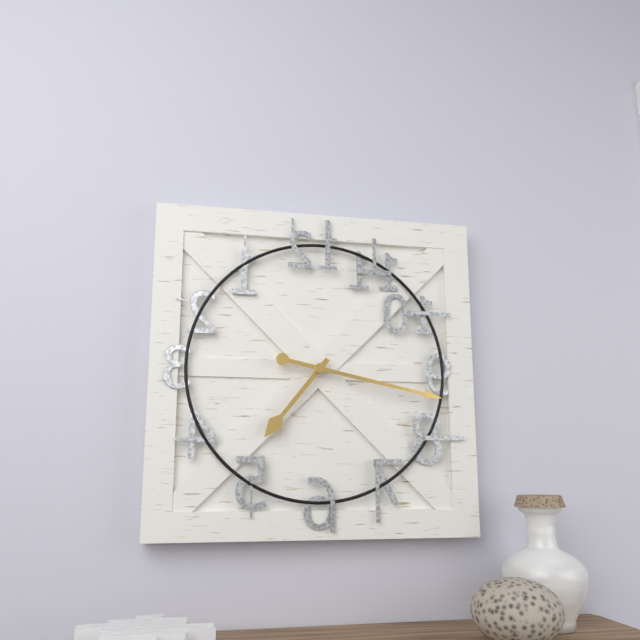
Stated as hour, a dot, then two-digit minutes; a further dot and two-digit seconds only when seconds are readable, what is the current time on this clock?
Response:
7.17
